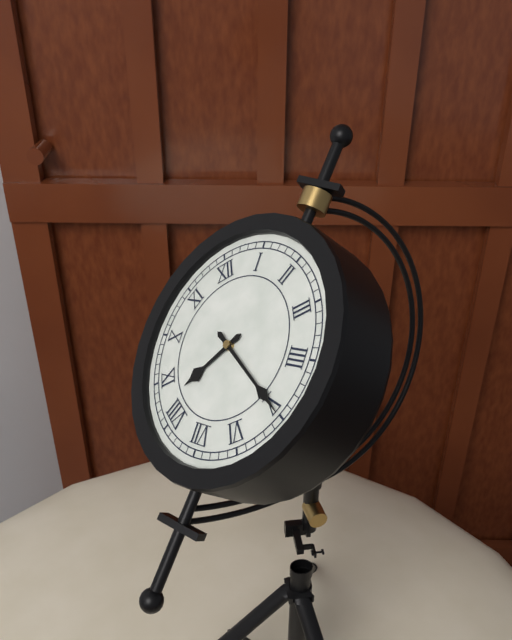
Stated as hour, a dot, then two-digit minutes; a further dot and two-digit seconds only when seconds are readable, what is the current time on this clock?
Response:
8.25
